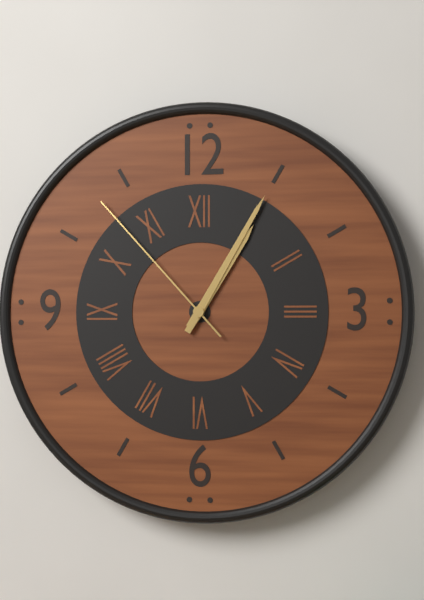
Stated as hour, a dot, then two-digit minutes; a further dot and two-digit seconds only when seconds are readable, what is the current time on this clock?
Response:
1.05.53
